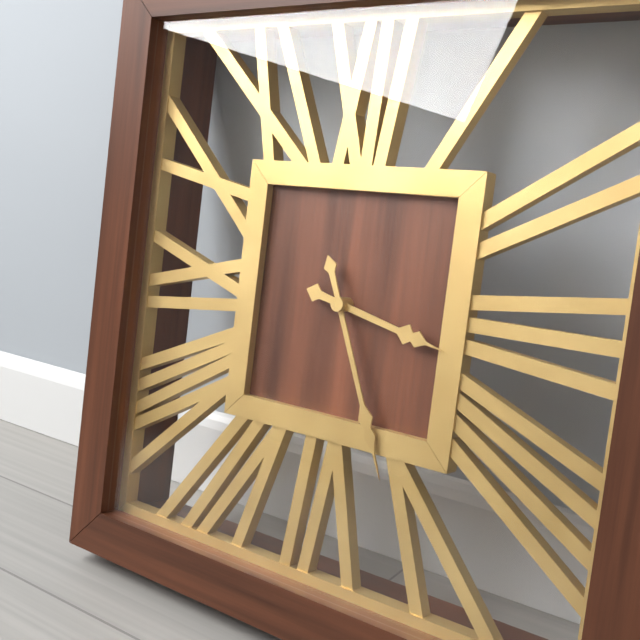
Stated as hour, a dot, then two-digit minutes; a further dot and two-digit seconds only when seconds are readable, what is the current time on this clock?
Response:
3.26
